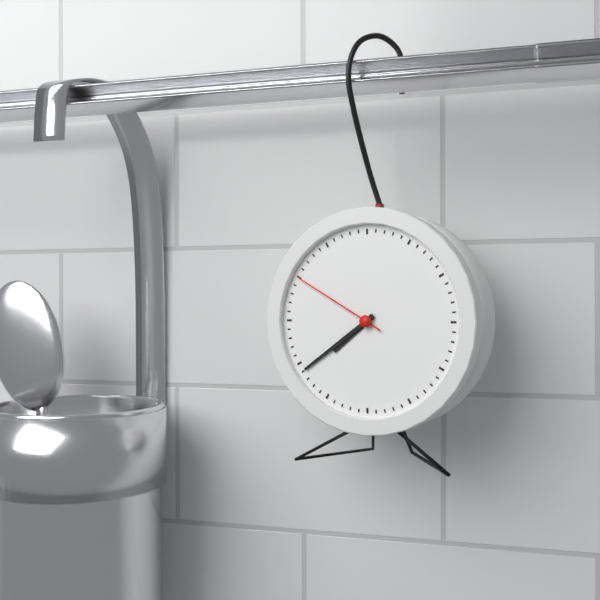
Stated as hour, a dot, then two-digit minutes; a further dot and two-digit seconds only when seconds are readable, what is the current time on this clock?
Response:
7.39.50
